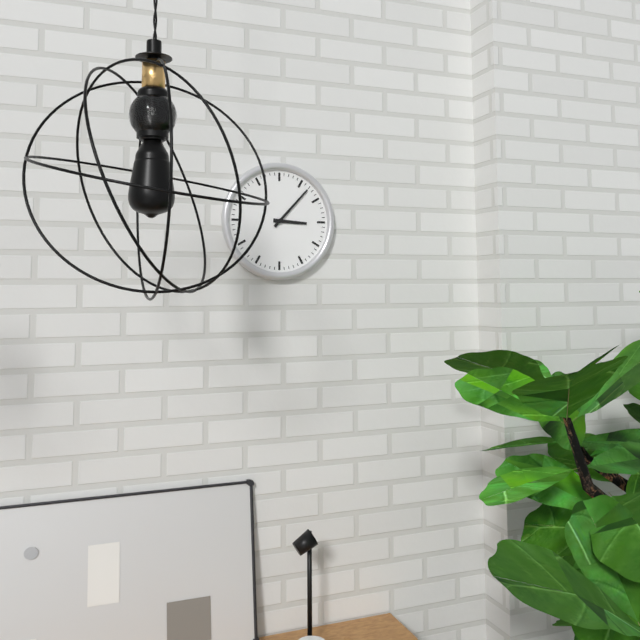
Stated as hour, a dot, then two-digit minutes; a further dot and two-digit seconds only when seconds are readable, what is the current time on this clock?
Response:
3.07
